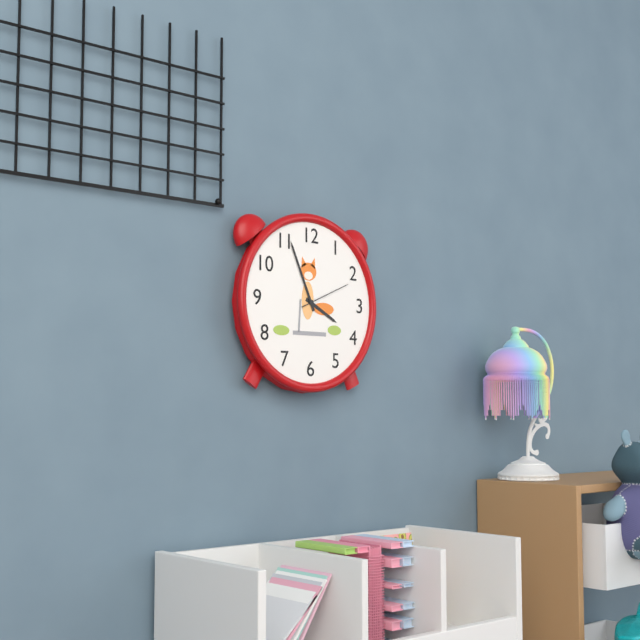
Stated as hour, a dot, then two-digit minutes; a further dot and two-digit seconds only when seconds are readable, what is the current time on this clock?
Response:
3.56.11
